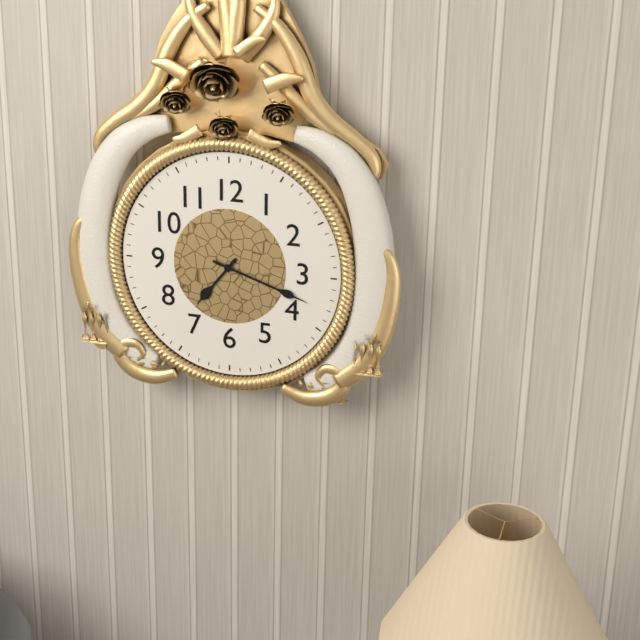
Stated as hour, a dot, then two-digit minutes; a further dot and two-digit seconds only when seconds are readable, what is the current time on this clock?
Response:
7.18
